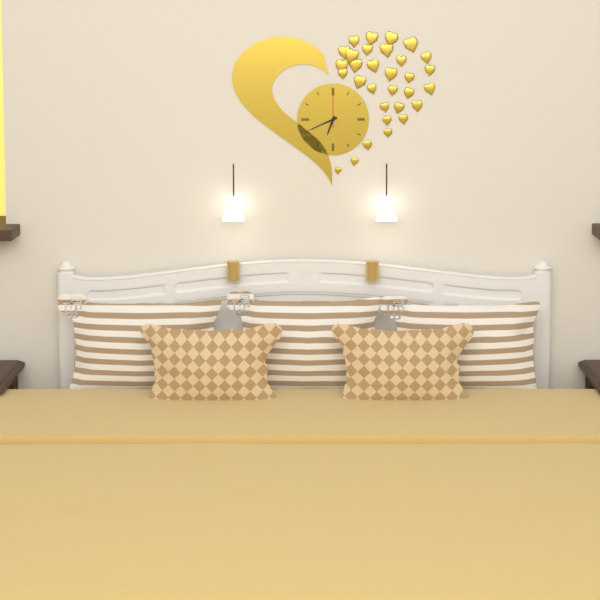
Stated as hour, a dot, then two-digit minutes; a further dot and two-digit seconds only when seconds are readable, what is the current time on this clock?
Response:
6.41
